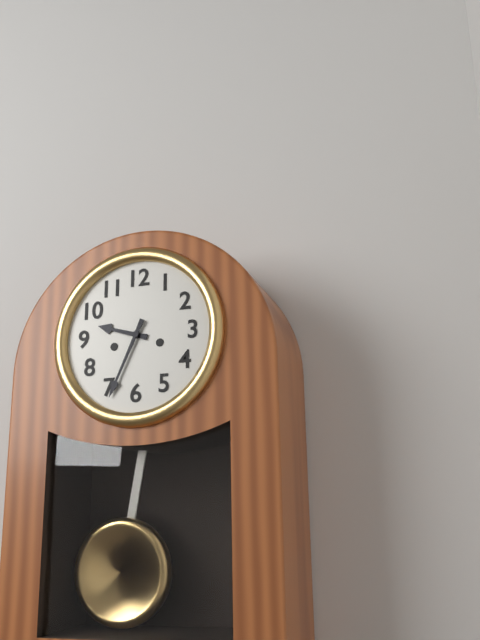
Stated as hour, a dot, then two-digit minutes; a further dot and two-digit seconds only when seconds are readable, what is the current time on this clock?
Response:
9.34
